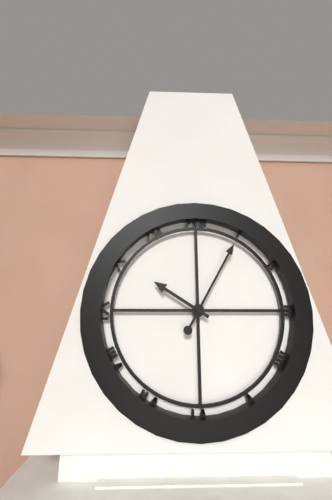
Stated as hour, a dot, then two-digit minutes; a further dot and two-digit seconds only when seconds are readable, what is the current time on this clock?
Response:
10.05
